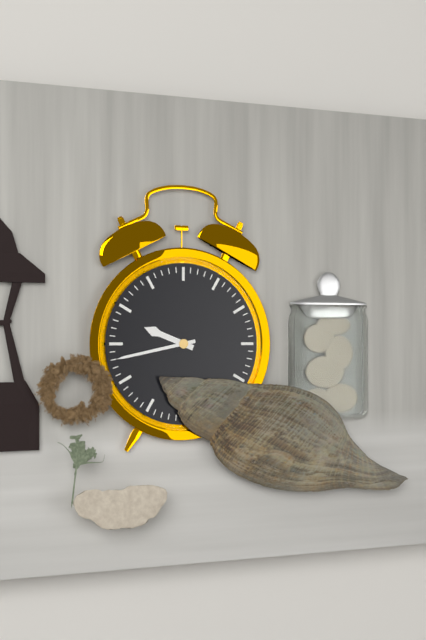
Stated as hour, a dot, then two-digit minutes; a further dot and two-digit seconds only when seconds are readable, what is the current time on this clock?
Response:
9.43
